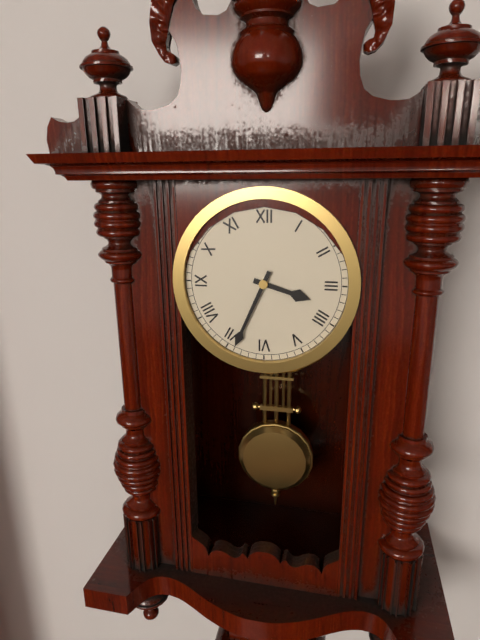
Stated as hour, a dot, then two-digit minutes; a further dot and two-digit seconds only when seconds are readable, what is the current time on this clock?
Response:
3.34
